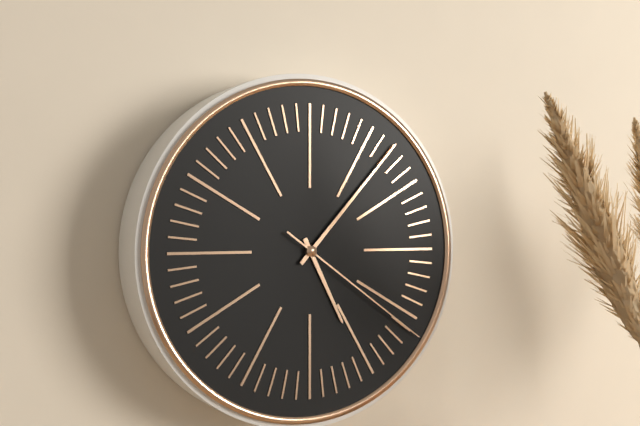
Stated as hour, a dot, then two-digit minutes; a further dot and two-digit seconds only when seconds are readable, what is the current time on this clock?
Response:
5.07.21
